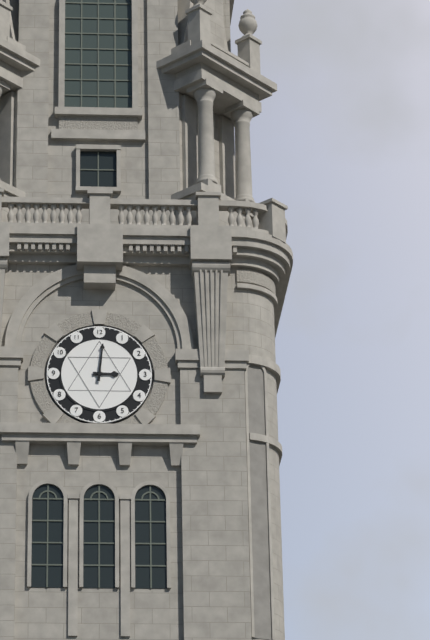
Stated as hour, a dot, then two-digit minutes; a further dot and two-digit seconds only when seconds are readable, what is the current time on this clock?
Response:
3.01
